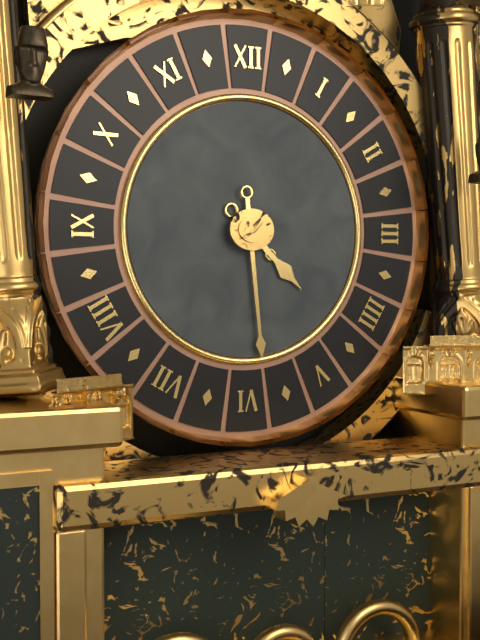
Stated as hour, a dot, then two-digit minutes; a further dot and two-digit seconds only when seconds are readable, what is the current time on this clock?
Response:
4.29
